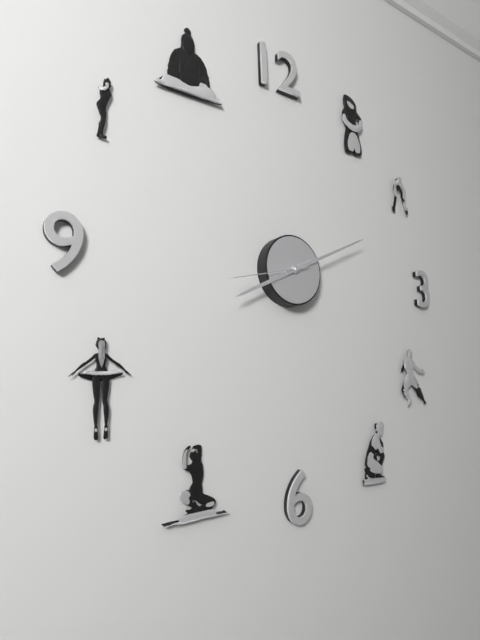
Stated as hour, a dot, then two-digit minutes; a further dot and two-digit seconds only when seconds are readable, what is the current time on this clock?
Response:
8.11.43
